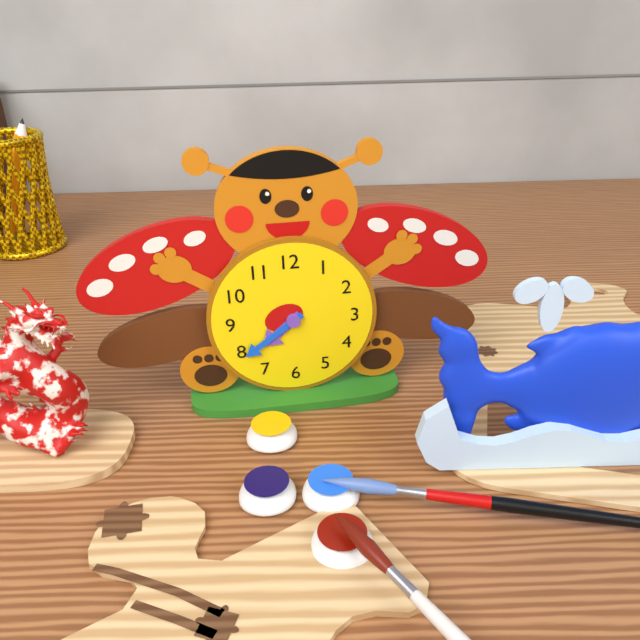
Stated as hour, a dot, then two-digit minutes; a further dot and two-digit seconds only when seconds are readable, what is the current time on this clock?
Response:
7.39
